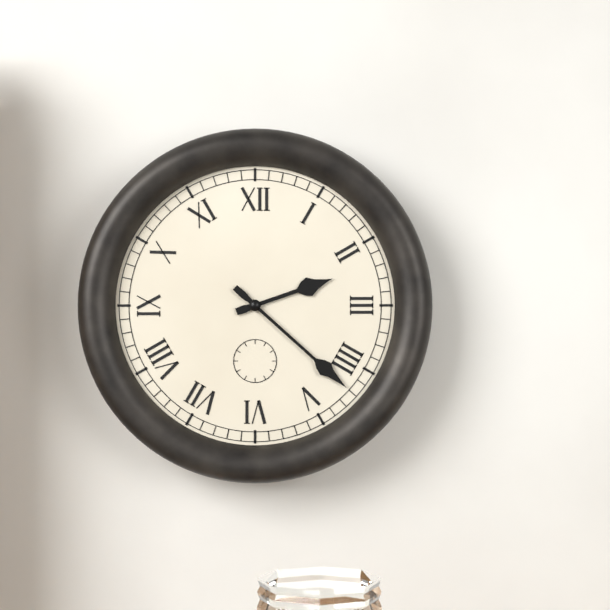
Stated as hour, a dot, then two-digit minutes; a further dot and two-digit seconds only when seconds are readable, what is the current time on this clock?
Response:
2.22
